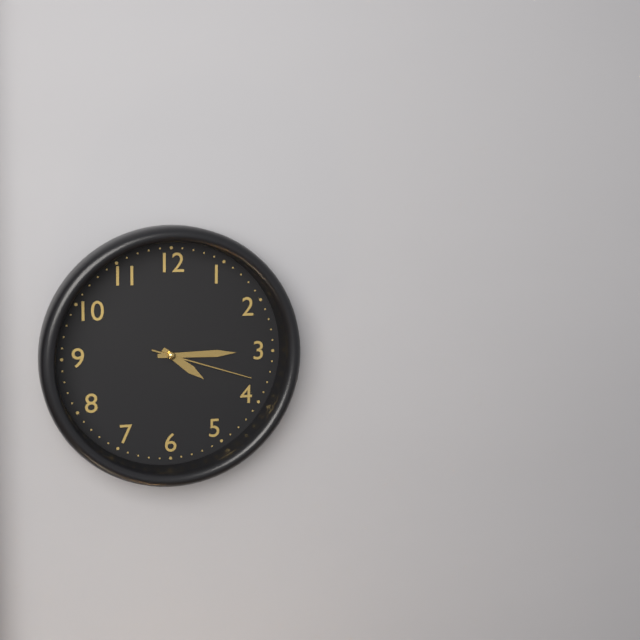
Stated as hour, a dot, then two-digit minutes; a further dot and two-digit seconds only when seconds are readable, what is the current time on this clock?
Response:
4.15.18
